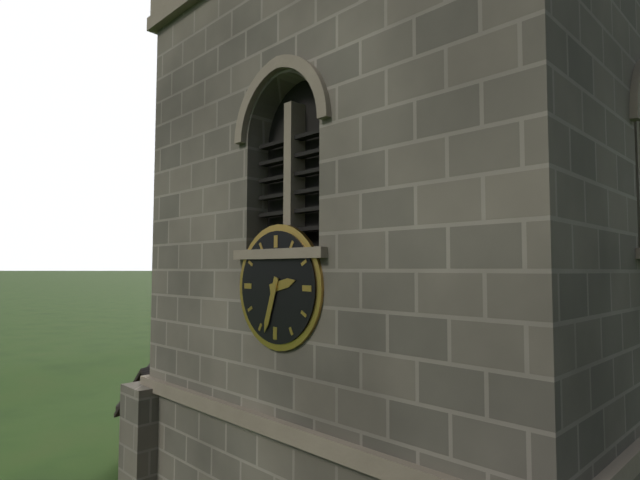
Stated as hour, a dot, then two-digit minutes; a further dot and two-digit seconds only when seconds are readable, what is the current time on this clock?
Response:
2.33
